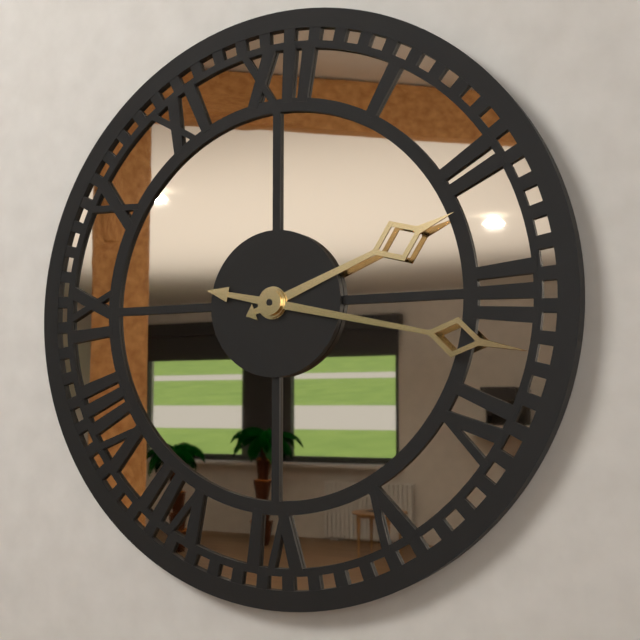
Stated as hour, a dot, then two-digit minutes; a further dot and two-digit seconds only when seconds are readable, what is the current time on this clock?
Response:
2.17
